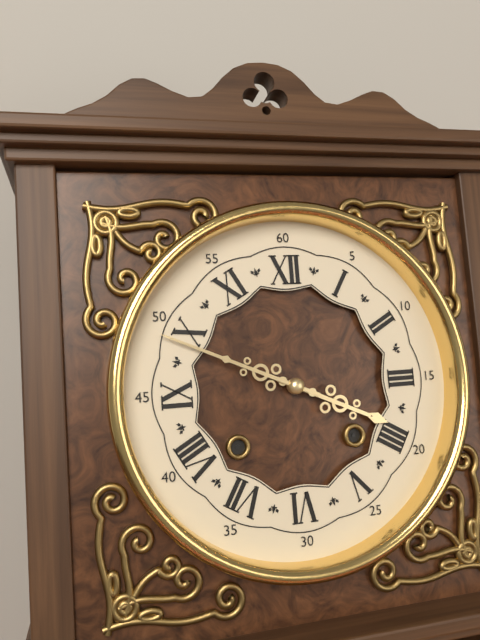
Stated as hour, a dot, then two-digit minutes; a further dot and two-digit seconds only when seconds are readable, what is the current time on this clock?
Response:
3.49
